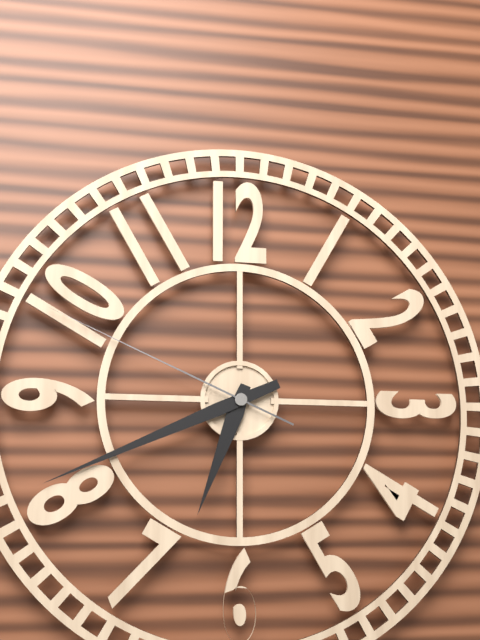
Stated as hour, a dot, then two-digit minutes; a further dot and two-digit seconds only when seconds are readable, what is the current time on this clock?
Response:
6.41.49
